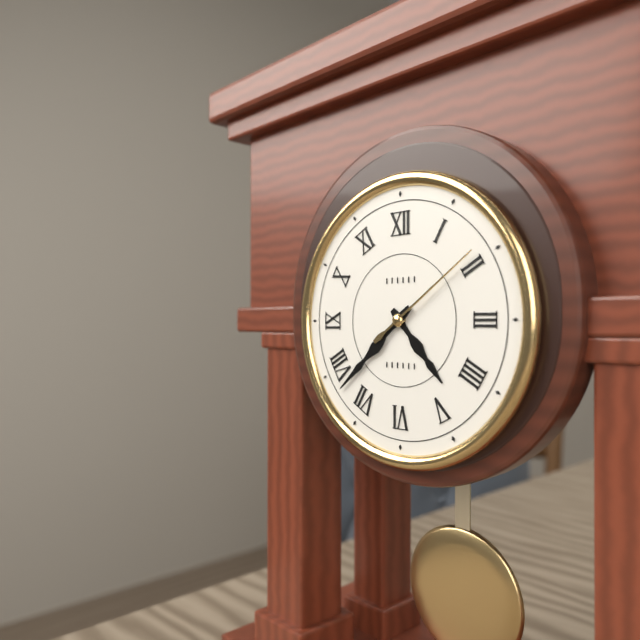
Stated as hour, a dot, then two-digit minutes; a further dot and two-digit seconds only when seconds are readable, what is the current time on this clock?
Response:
4.38.09
